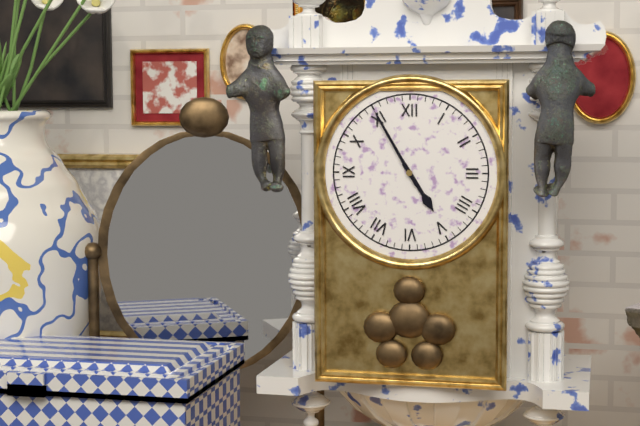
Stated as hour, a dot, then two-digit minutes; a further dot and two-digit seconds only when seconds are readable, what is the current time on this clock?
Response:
4.55
